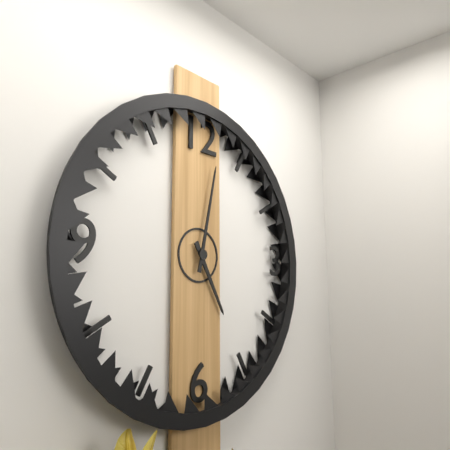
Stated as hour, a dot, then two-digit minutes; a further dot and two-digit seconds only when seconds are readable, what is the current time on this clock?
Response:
5.02
